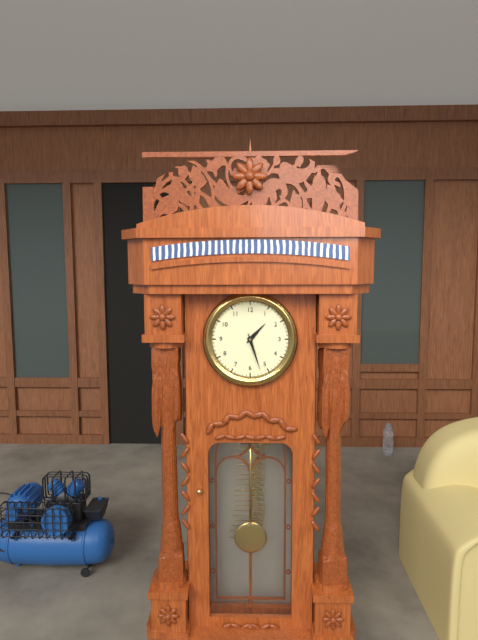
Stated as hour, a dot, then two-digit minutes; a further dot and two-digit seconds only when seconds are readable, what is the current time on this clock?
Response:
1.27
